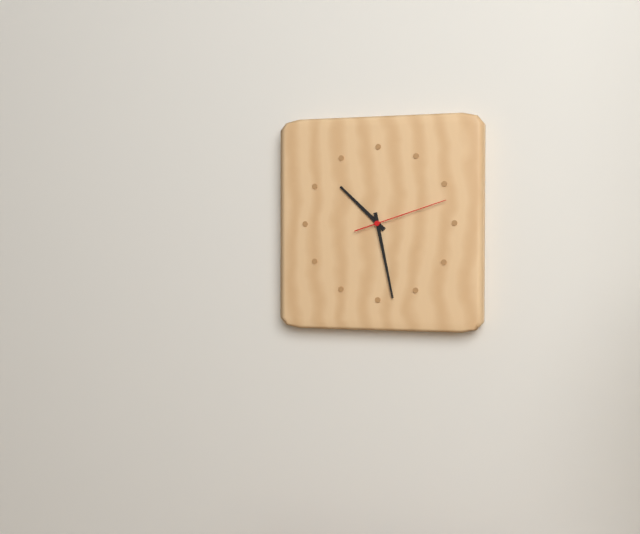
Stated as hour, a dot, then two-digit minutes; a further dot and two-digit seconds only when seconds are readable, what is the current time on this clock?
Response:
10.28.12
